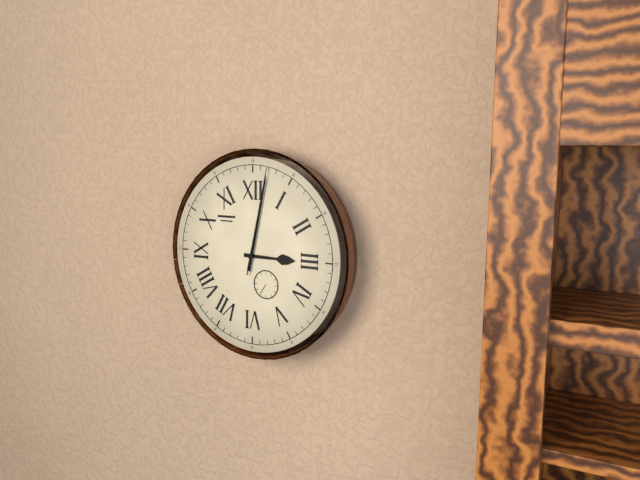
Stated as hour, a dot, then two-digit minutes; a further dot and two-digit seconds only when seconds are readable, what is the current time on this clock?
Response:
3.02.02
